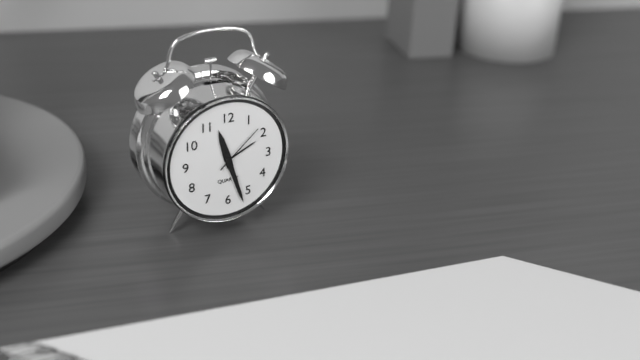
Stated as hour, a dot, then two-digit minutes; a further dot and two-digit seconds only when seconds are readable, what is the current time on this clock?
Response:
11.27.08
